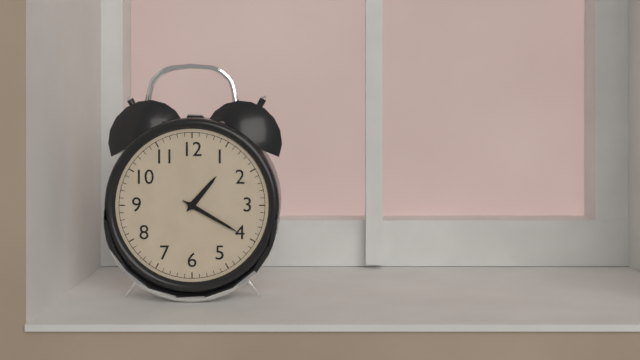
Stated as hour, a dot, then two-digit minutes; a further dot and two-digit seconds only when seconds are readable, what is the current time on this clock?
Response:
1.20
